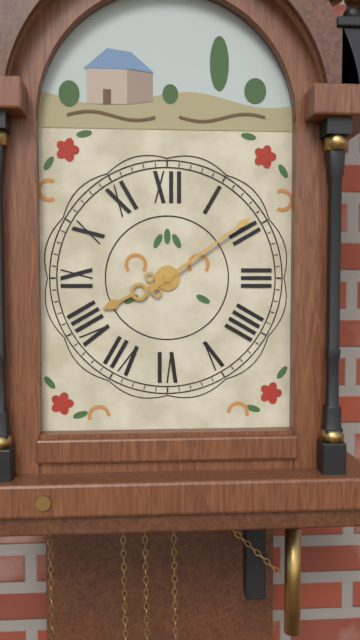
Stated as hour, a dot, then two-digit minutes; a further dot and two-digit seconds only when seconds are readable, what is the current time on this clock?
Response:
8.09
